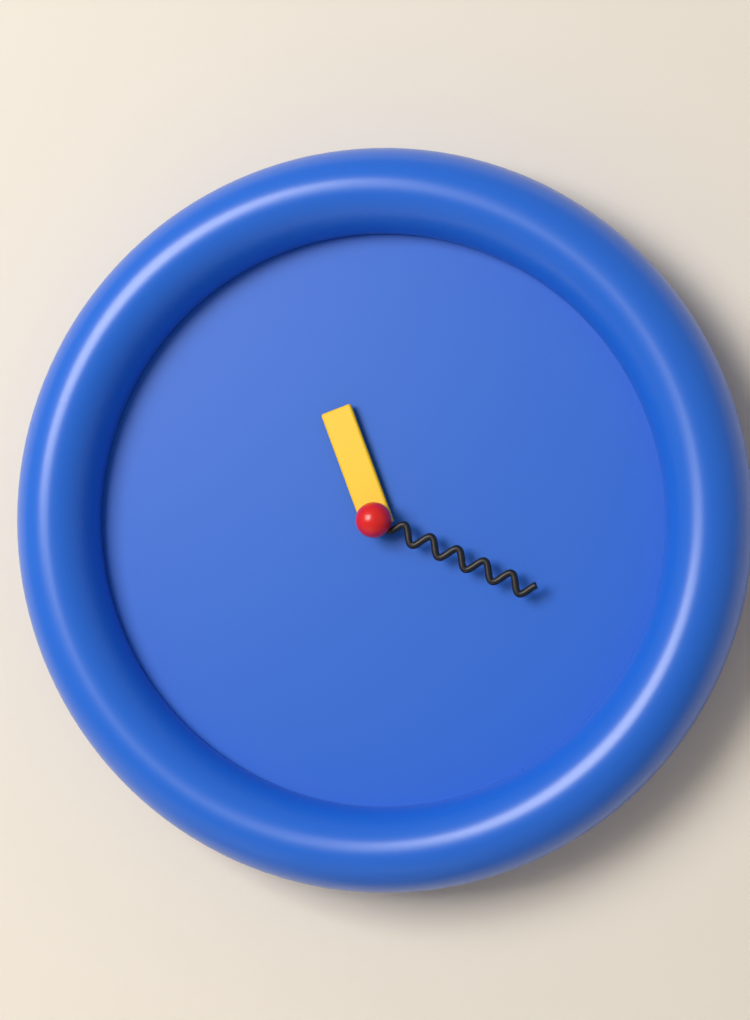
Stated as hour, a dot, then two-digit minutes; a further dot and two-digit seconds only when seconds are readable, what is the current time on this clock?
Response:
11.19
